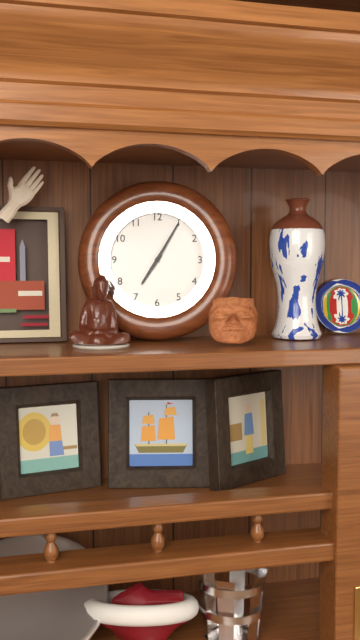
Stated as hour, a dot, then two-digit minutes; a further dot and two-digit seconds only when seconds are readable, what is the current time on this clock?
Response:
7.05
